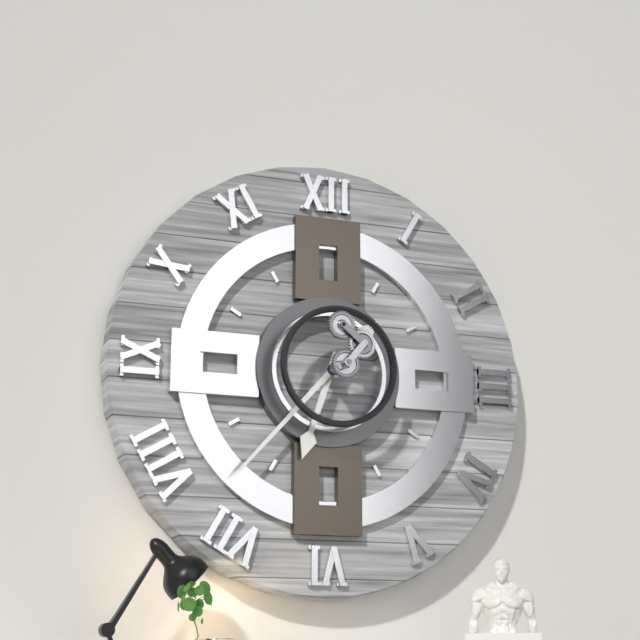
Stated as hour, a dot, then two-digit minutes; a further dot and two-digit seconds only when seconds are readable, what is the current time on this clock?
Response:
6.37
